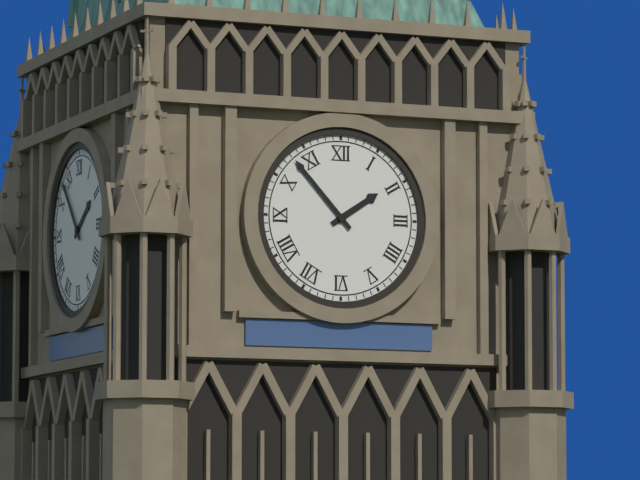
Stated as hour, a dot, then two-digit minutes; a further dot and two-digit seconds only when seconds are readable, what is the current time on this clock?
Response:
1.53
